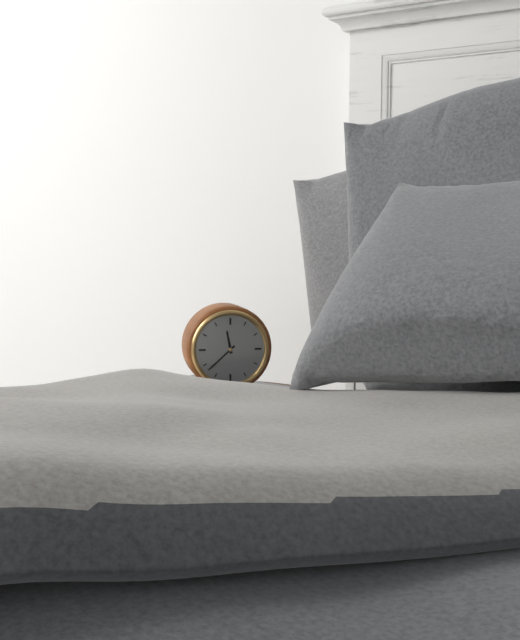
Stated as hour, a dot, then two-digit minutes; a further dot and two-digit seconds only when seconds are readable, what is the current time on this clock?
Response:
11.38
